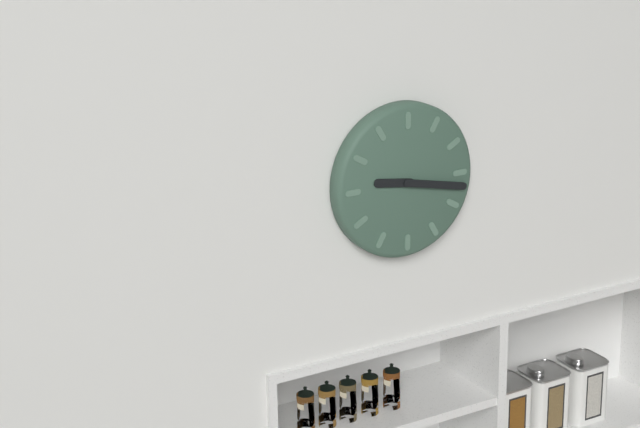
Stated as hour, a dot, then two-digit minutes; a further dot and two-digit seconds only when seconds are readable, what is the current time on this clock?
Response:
9.17
